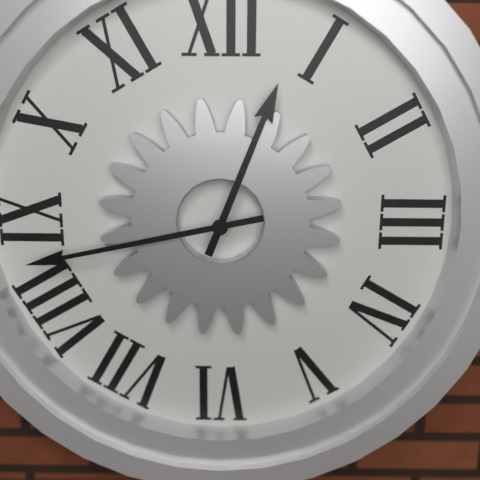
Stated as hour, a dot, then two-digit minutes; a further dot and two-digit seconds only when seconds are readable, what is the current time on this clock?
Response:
12.43
